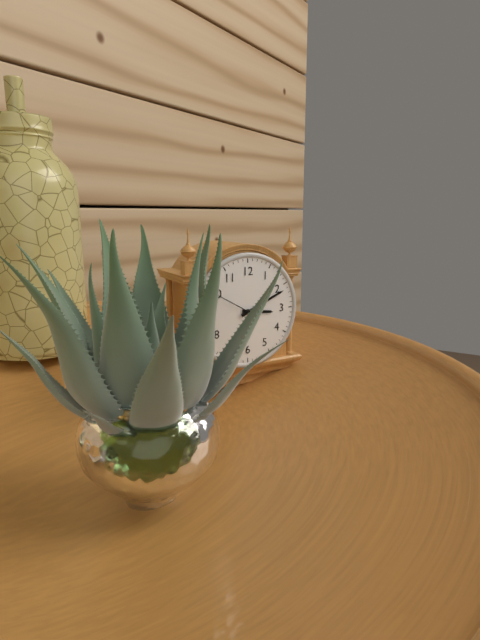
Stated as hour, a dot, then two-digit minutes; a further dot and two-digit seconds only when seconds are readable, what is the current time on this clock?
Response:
3.11.50
